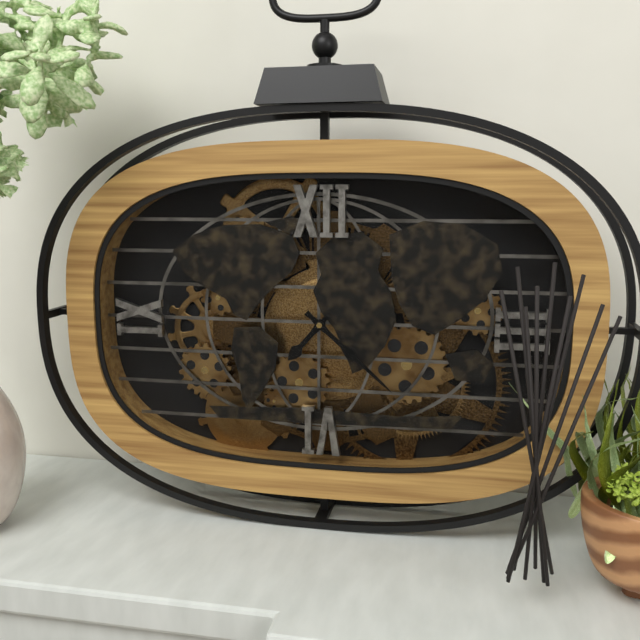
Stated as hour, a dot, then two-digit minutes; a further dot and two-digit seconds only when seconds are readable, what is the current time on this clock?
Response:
7.22
